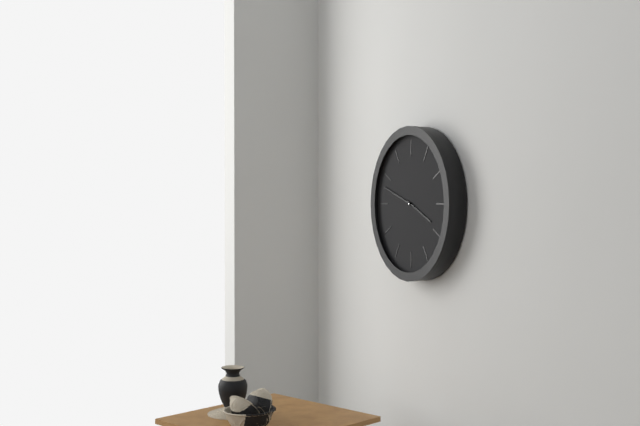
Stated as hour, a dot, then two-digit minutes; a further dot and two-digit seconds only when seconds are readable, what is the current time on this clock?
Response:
3.48
